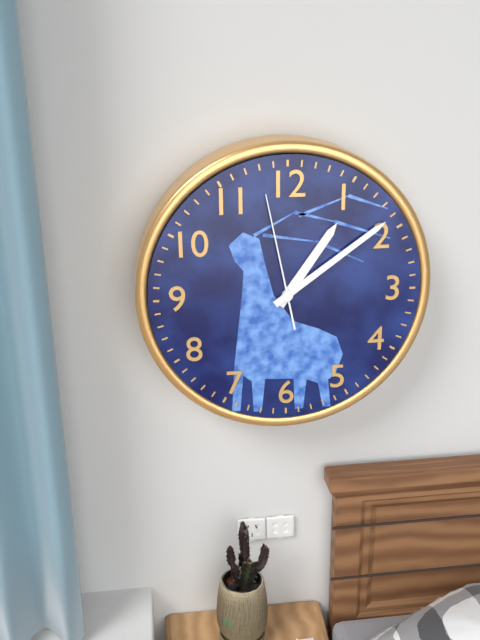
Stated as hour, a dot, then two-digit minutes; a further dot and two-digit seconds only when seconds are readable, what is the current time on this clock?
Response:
1.09.58
